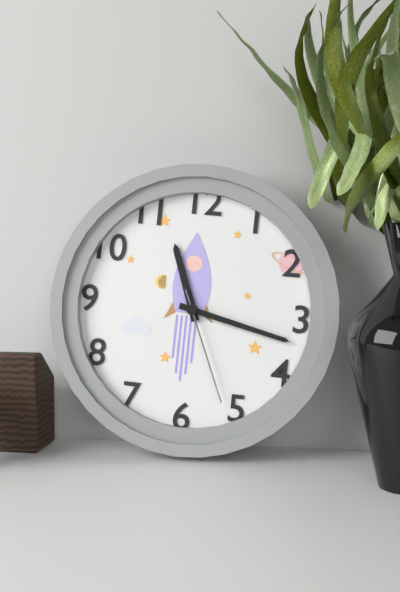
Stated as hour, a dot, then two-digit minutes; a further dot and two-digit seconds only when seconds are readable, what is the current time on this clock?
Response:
11.17.26
